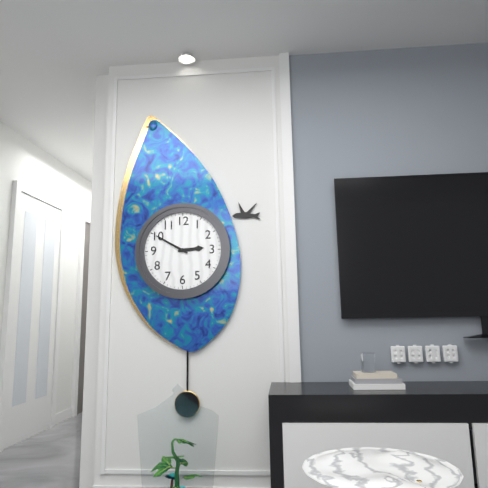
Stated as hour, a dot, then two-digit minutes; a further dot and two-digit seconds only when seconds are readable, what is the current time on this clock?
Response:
2.50
